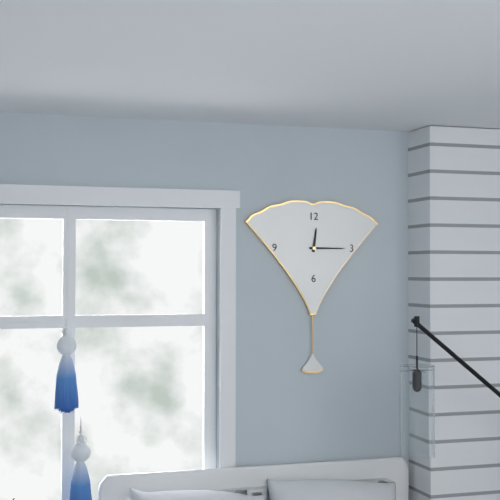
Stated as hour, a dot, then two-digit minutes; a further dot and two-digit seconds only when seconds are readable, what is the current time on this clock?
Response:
12.15
